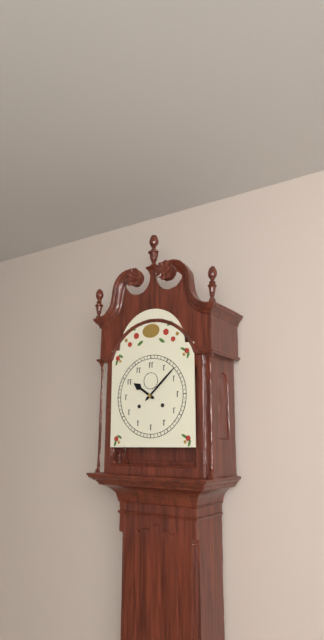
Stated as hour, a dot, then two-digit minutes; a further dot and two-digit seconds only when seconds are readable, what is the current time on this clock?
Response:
10.08
